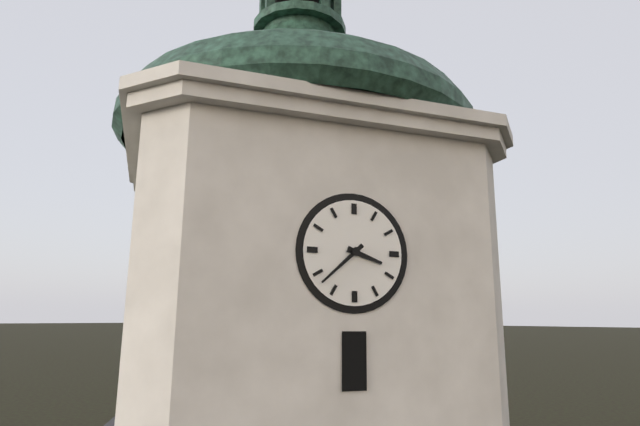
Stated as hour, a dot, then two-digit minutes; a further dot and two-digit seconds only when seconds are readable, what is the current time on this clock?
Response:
3.38
